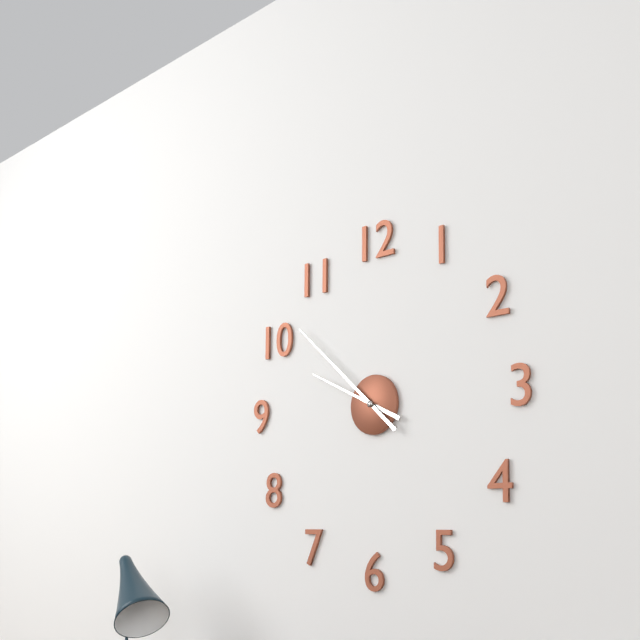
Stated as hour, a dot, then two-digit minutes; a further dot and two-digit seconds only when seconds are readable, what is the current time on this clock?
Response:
9.52
